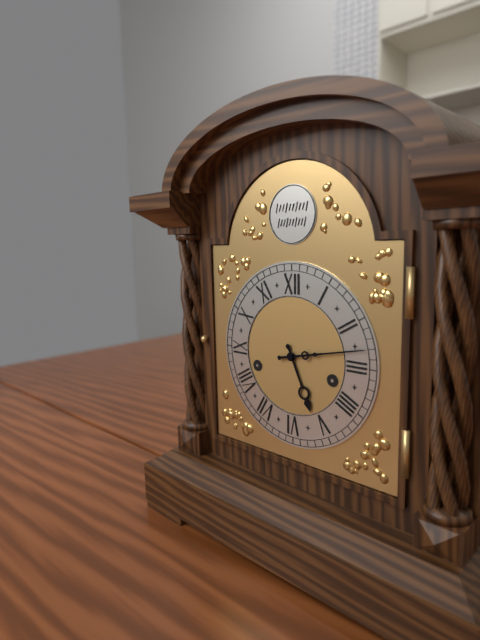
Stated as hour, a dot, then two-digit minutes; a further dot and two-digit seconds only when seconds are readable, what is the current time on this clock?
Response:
5.13
